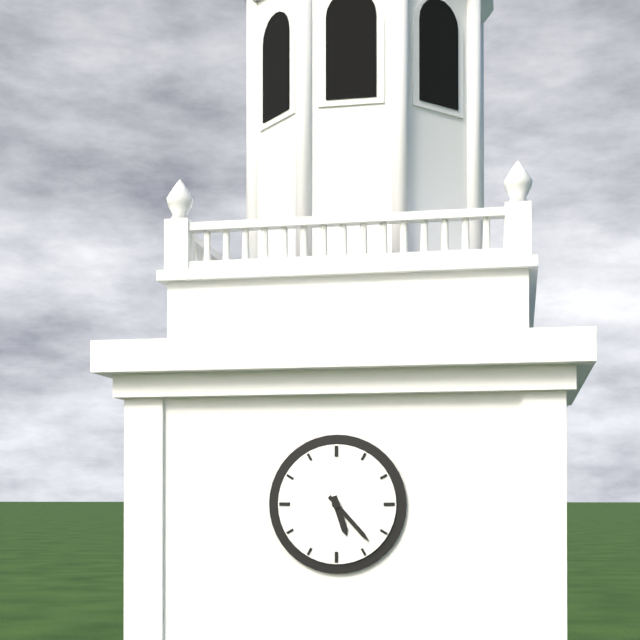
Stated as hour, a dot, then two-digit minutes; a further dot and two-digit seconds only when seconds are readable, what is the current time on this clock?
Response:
5.23
